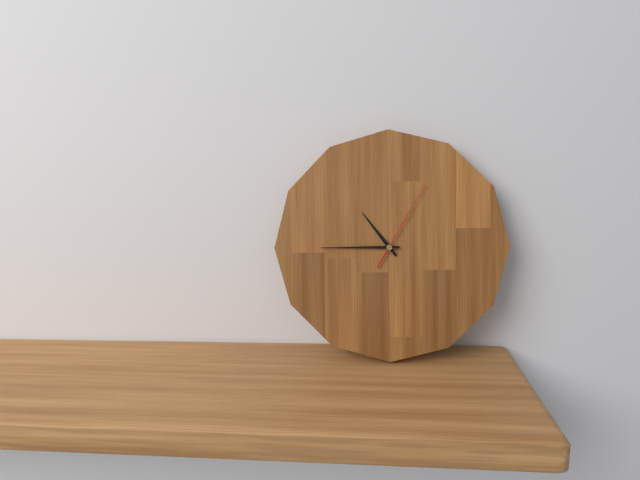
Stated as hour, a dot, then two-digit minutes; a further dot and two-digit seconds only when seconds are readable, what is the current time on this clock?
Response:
10.45.05
